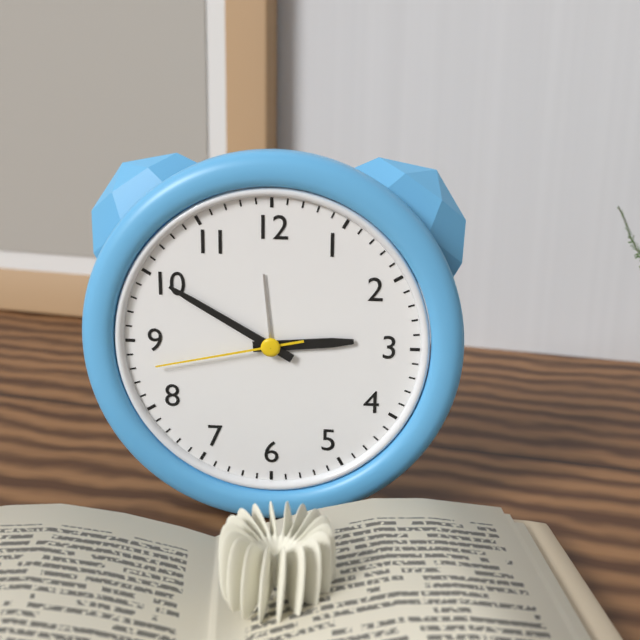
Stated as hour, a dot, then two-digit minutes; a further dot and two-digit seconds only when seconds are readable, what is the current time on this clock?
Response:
2.50.43
